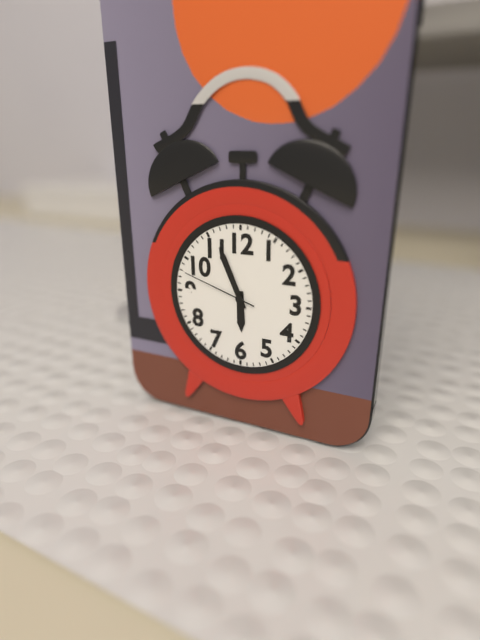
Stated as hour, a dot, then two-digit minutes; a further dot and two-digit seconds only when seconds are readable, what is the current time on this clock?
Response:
5.56.48
